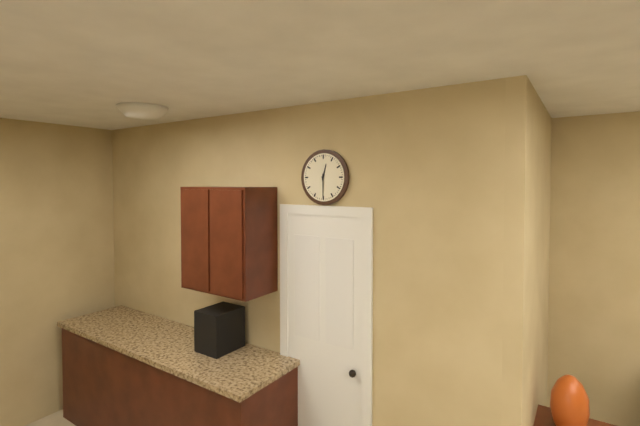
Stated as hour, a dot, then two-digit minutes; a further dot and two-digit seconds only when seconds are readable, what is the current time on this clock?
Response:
12.30
